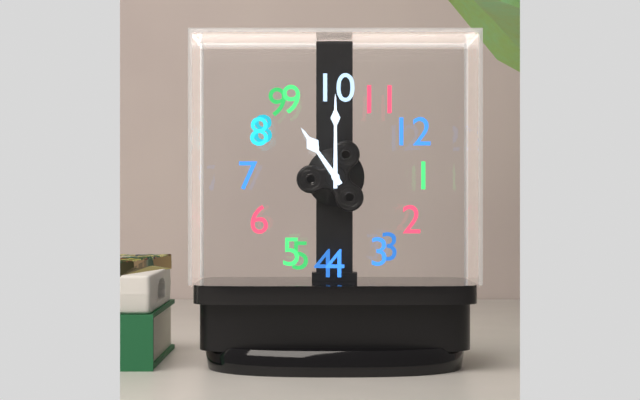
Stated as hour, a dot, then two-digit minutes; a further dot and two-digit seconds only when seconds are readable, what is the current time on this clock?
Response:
8.50
